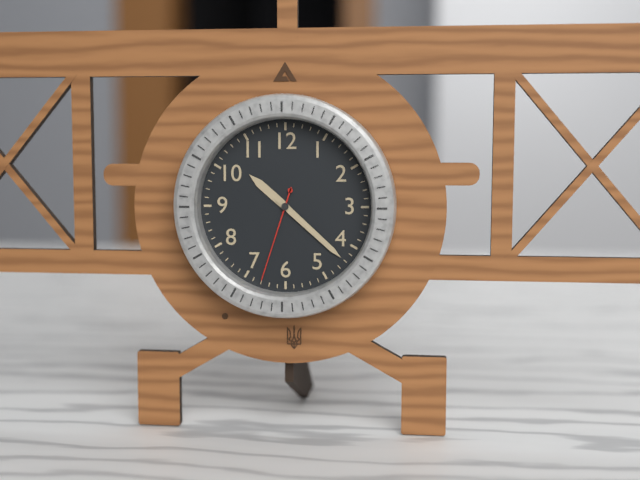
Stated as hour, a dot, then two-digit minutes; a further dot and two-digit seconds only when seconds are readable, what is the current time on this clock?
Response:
10.22.33
